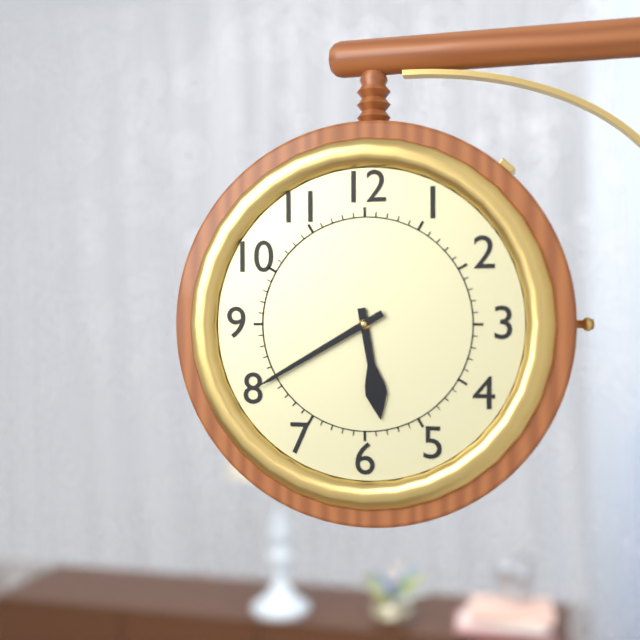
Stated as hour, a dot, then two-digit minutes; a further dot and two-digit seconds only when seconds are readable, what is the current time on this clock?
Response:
5.40
